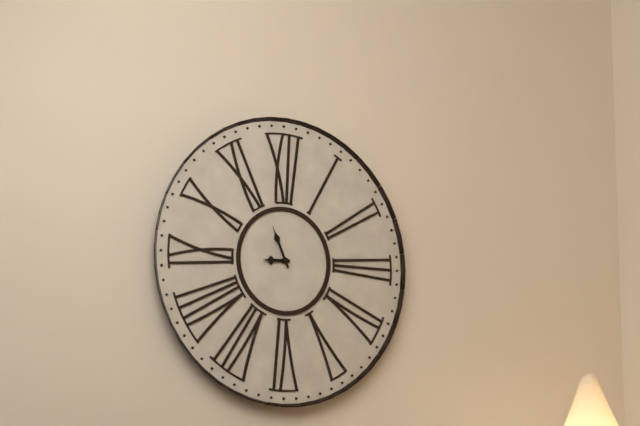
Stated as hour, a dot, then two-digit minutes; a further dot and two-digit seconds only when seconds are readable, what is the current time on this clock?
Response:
8.56
